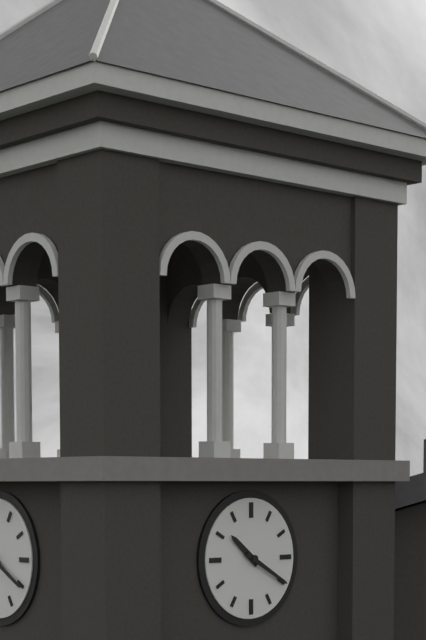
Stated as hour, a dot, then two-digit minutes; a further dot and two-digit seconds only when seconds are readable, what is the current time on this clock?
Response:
10.20
